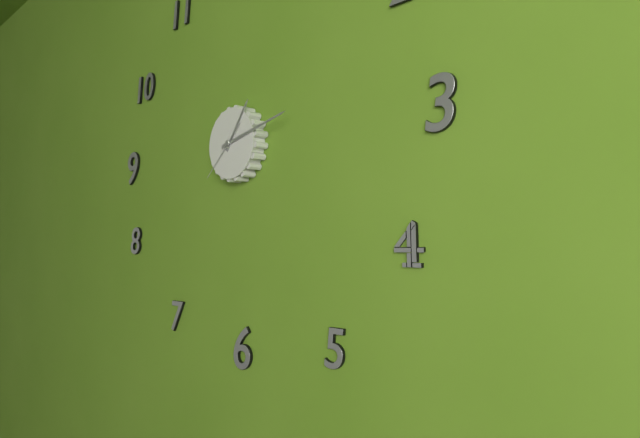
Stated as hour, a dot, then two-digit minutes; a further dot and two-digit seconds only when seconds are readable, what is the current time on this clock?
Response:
1.13.38
